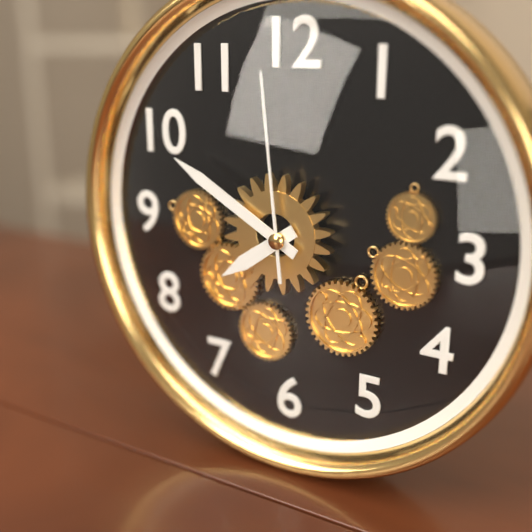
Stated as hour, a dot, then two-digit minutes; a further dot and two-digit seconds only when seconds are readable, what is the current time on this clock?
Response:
7.50.59
